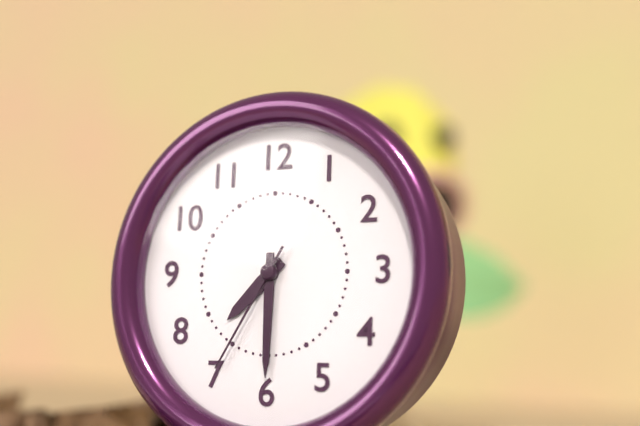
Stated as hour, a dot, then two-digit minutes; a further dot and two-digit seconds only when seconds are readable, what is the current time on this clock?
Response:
7.30.35
